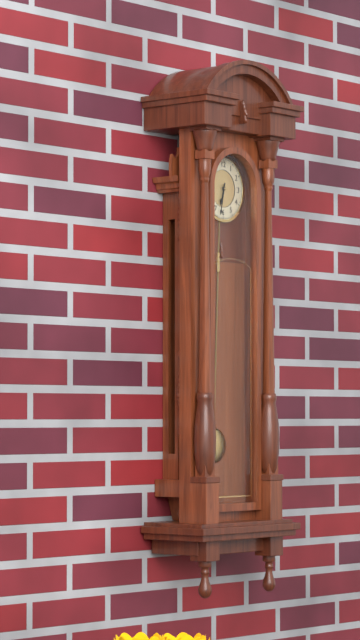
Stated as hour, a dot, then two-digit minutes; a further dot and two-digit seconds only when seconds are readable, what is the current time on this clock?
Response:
6.32
